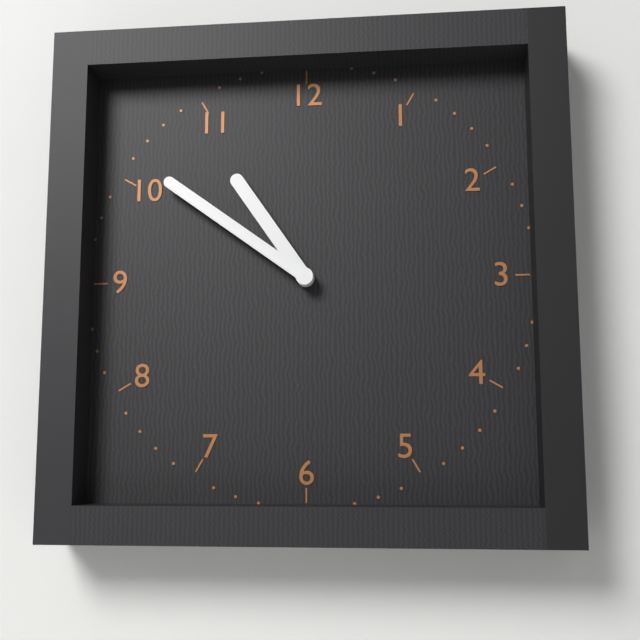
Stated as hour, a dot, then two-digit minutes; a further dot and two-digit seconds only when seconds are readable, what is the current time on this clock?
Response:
10.51
